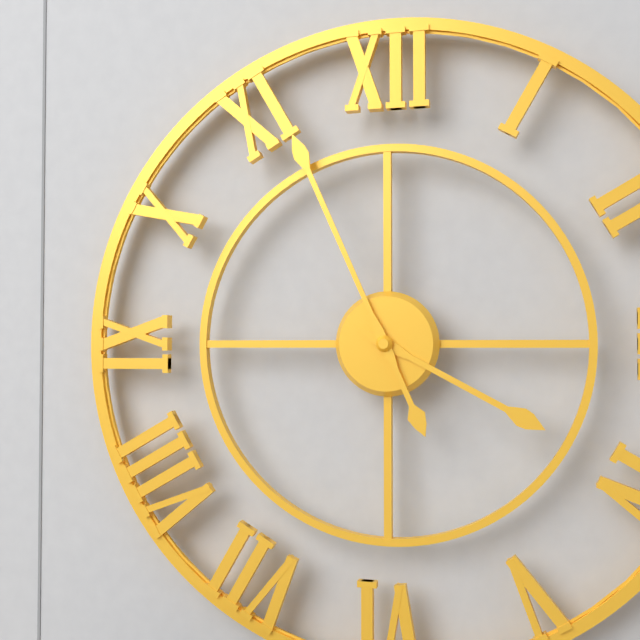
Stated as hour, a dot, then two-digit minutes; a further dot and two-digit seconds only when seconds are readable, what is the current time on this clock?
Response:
3.56
